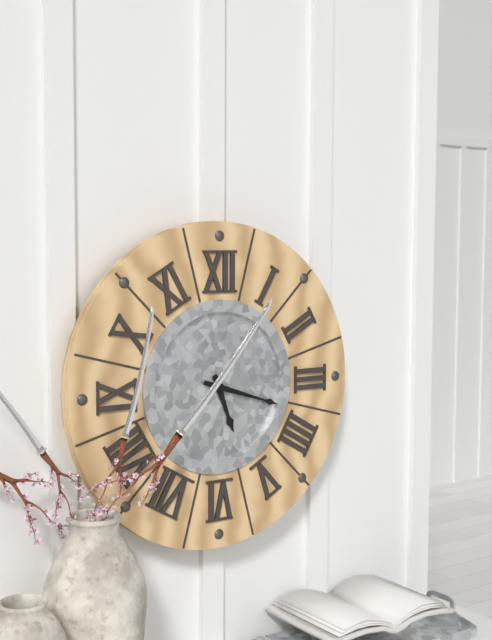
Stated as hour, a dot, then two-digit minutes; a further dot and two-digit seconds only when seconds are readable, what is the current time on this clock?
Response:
5.18
